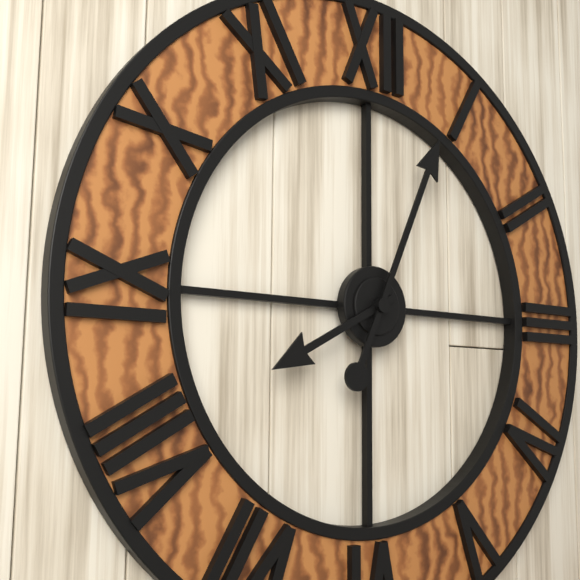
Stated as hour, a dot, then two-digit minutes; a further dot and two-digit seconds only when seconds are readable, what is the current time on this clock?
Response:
8.04
